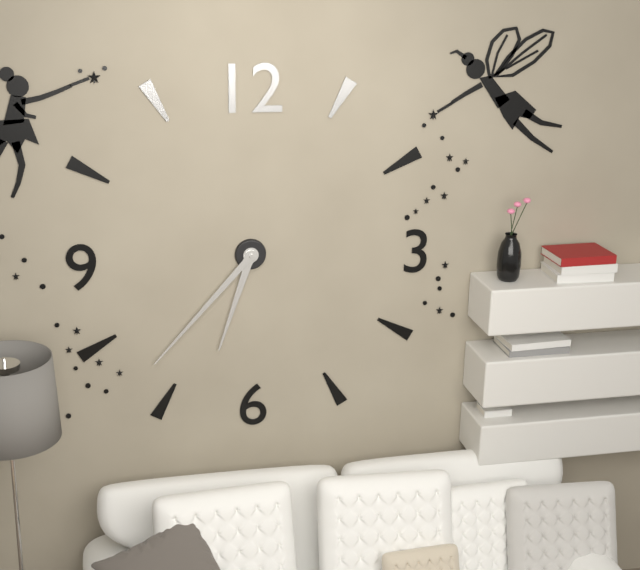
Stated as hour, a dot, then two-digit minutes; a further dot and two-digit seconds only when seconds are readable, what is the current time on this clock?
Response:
6.37
